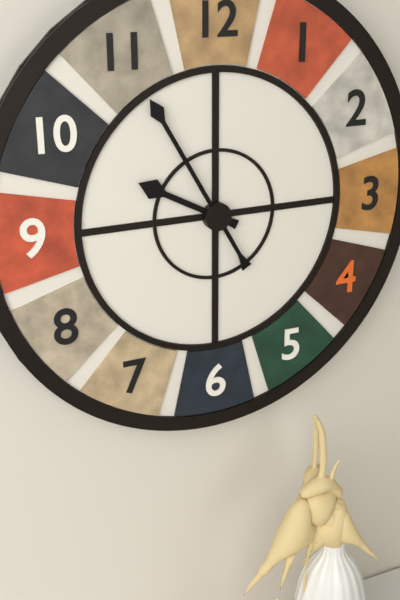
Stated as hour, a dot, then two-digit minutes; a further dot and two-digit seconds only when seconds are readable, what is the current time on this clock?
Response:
9.55
